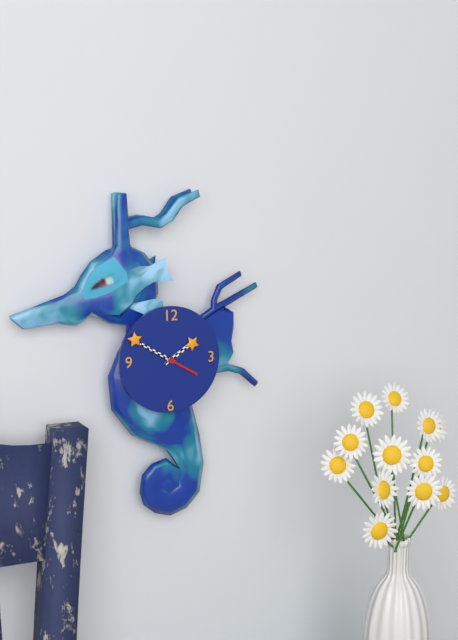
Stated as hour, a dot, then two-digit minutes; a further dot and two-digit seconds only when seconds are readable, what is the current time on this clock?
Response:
1.50
